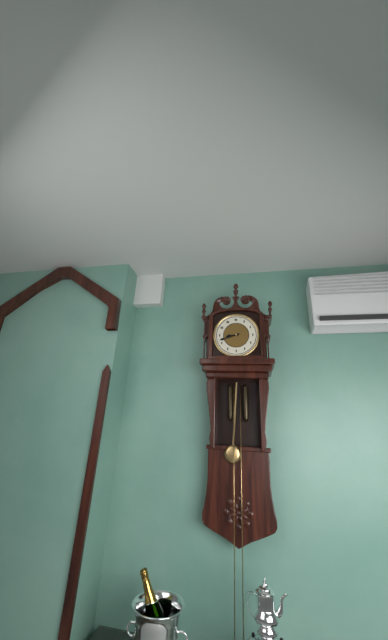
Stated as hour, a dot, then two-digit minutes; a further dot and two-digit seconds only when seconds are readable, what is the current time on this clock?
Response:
8.42
